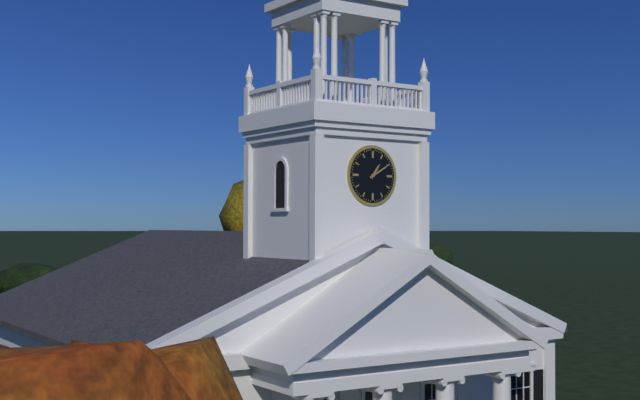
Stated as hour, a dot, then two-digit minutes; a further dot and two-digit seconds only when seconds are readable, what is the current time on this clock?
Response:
1.10
